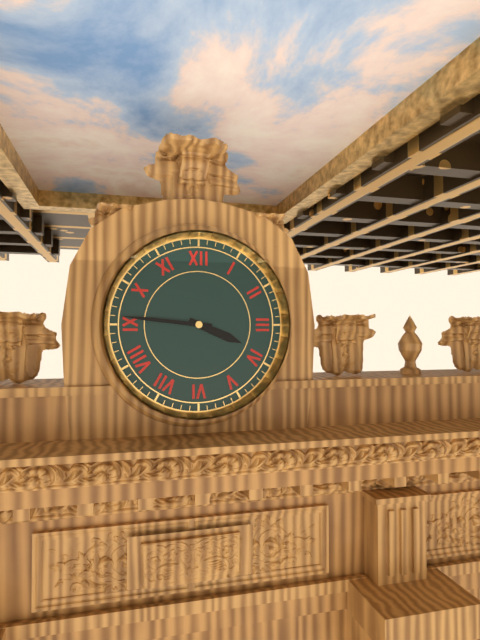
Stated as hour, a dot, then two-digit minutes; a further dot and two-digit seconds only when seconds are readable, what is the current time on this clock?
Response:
3.46
